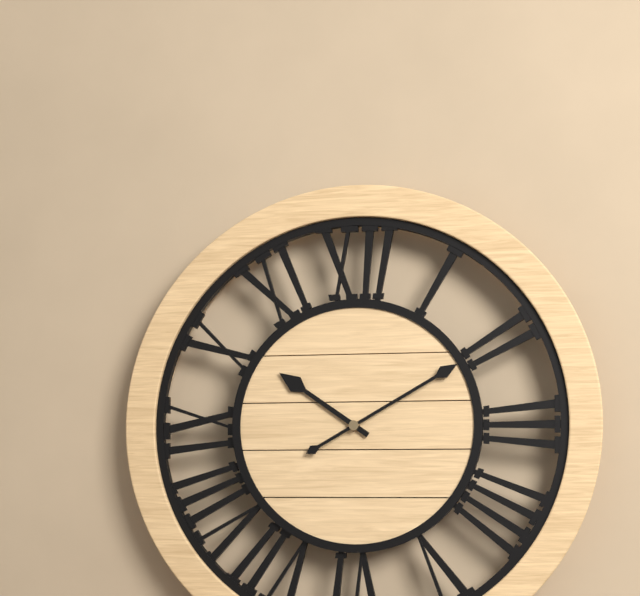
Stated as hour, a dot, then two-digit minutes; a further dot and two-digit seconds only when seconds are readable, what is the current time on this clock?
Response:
10.10
